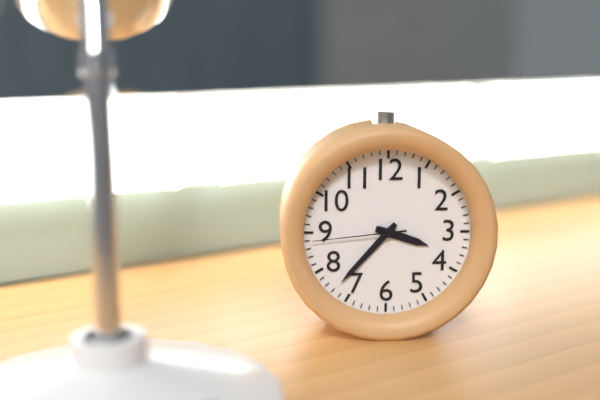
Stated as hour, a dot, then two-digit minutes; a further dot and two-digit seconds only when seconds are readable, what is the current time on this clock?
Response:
3.37.44
